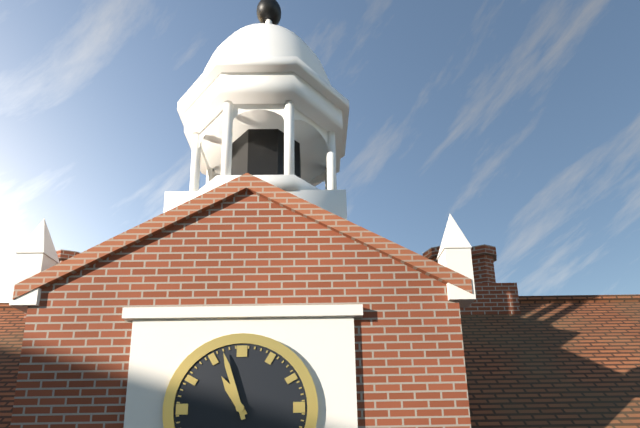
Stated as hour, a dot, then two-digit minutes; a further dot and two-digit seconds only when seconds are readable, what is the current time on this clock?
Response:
10.57
